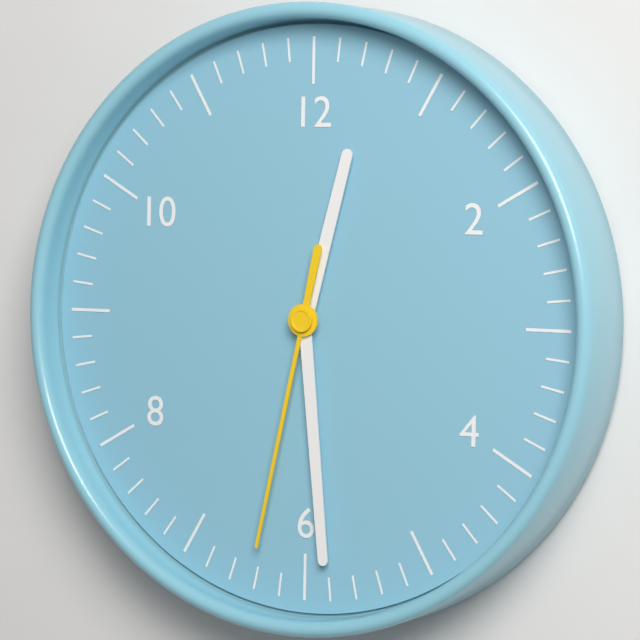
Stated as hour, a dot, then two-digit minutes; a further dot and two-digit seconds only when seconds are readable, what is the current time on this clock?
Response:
12.29.32
